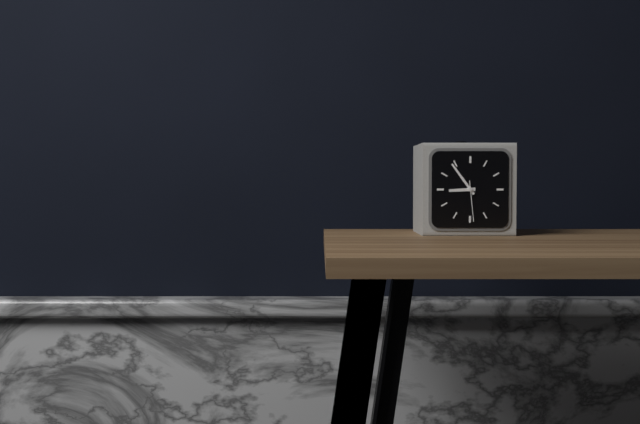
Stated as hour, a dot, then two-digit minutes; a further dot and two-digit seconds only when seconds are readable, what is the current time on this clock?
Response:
8.54
